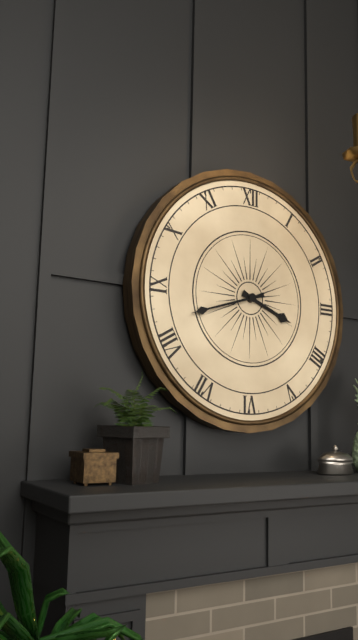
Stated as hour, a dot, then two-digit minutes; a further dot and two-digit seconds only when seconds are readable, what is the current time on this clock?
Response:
3.42
